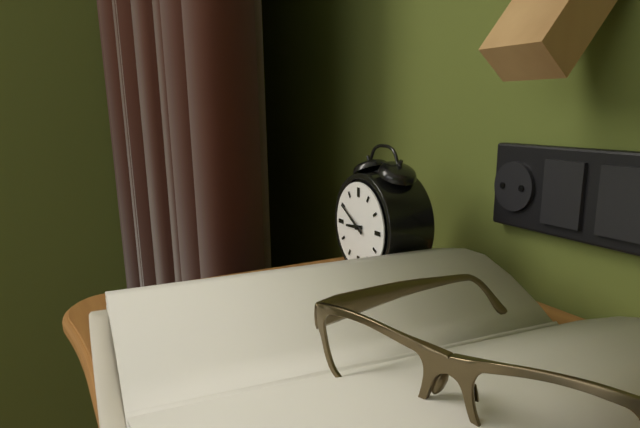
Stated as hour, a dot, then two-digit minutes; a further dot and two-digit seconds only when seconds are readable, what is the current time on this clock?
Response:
8.50
